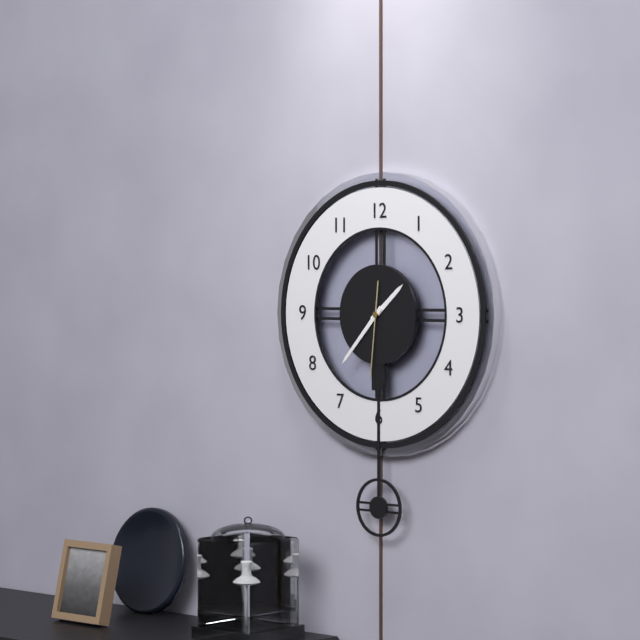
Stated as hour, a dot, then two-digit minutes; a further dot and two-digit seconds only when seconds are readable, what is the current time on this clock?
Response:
1.37.31
